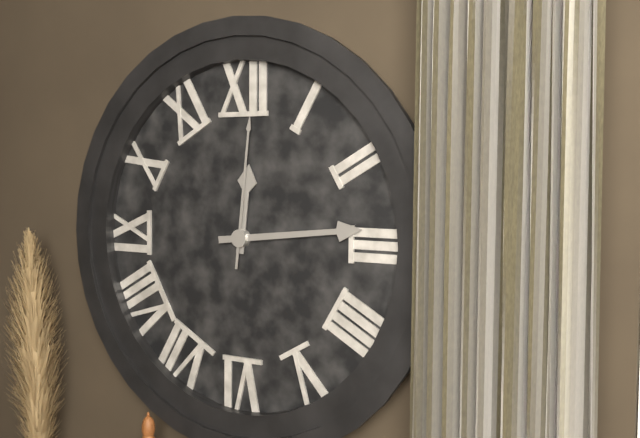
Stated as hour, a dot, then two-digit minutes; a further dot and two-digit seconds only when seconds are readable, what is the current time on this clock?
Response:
12.14.01
